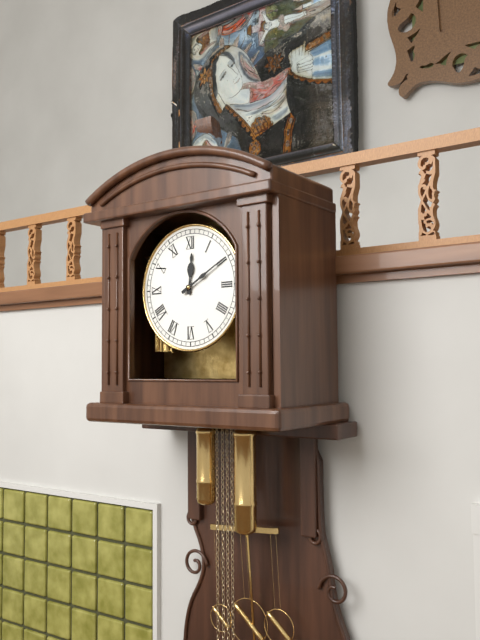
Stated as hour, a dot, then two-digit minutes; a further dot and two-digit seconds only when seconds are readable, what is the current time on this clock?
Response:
12.10
